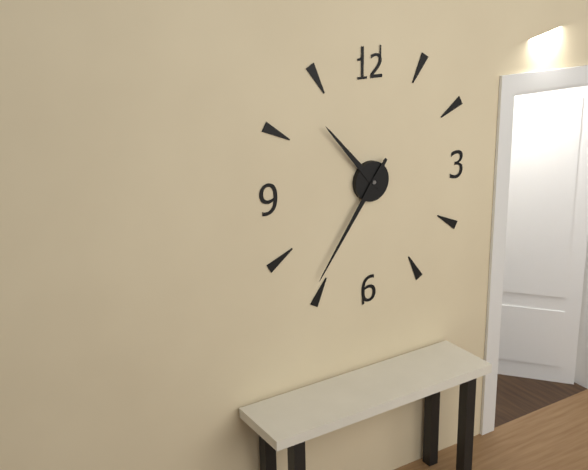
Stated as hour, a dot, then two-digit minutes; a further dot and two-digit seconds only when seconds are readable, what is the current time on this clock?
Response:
10.36
